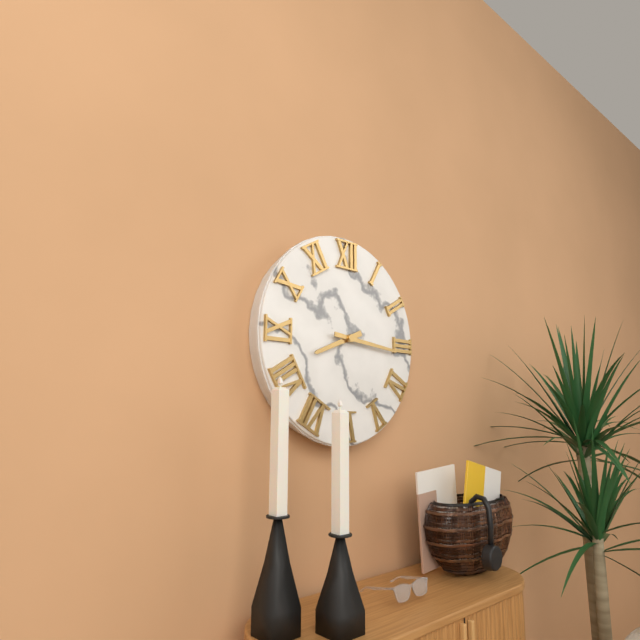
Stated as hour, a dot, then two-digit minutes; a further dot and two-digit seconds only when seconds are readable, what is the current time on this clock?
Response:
8.16
